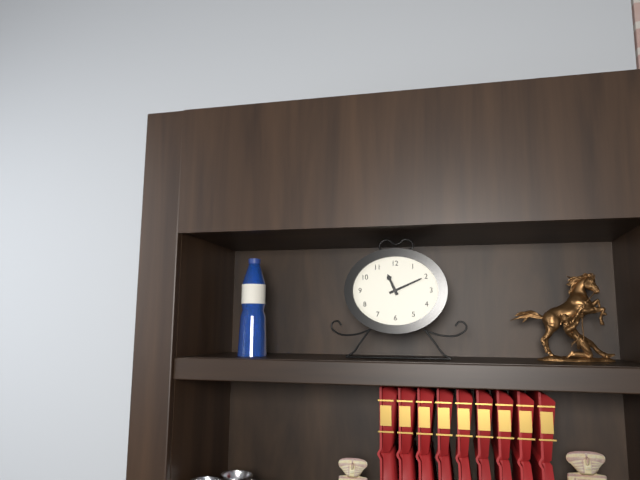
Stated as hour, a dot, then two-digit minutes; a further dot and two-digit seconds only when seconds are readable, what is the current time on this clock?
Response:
11.11
